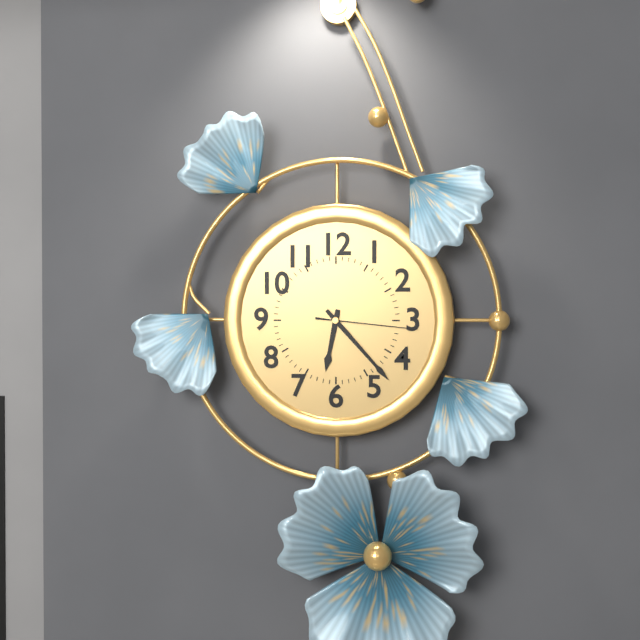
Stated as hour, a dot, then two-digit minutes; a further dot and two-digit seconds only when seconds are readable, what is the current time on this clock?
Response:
6.23.16
